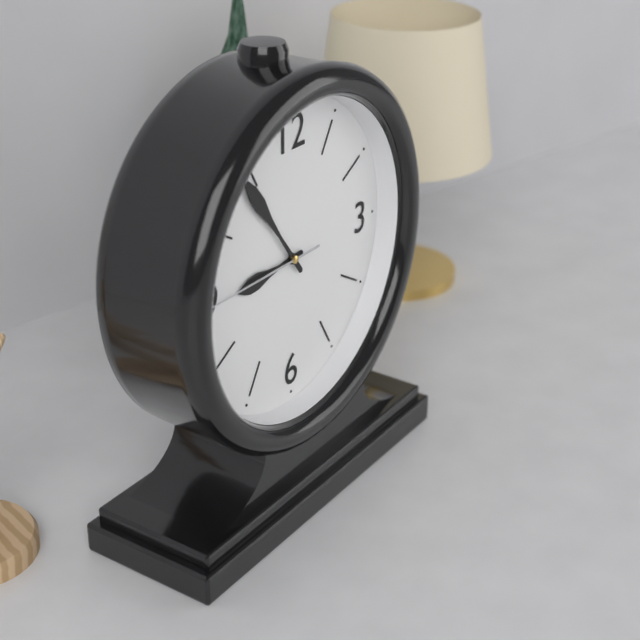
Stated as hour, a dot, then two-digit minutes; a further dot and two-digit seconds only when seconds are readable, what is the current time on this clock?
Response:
8.54.45
